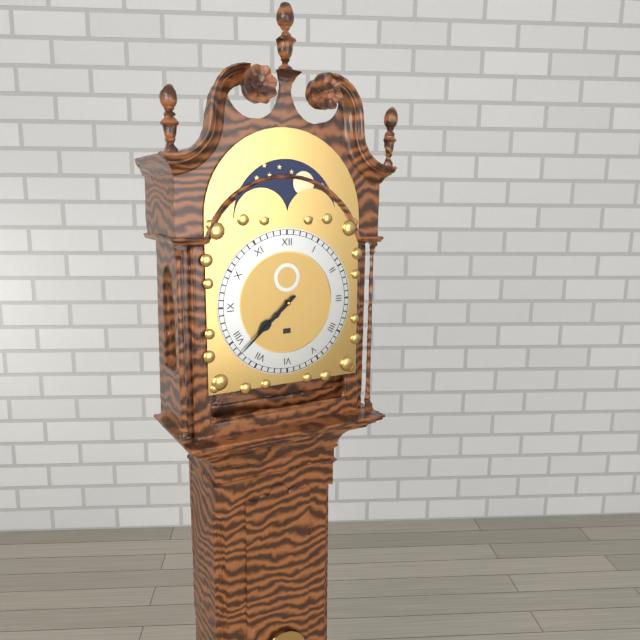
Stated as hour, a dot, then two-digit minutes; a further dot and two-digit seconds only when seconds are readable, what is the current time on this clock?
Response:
7.38
